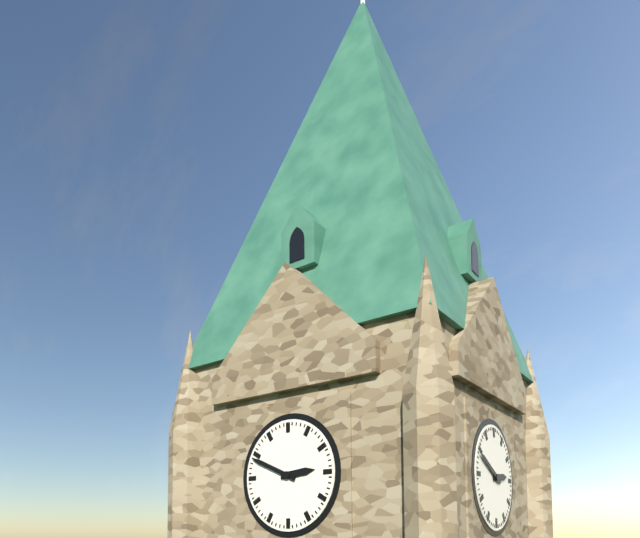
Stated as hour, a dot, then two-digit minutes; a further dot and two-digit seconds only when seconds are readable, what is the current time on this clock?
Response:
2.49
